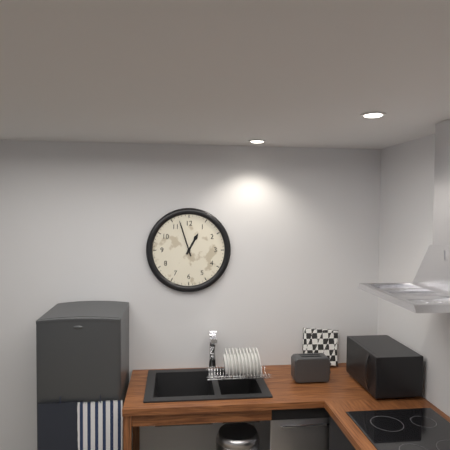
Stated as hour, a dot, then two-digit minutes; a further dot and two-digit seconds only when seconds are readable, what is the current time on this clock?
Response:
12.57
